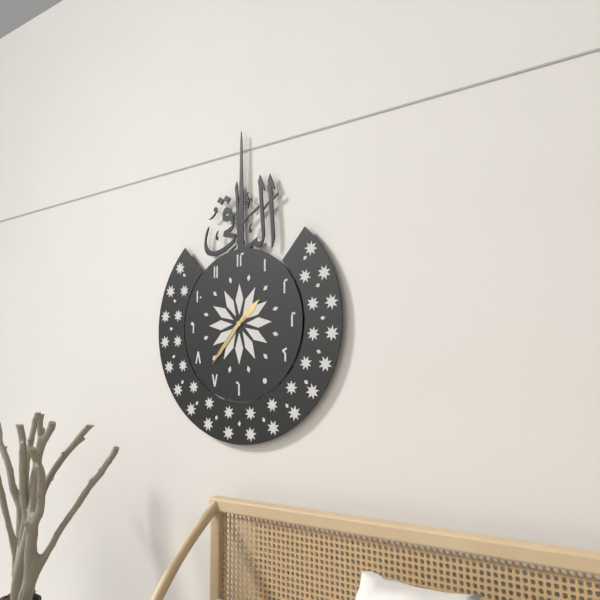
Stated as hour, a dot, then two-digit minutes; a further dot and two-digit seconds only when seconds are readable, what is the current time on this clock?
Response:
1.37
